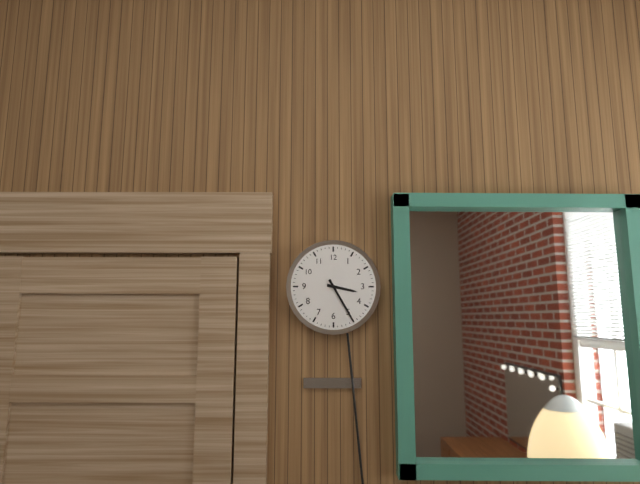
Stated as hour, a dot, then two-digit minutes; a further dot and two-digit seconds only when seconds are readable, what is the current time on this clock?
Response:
3.25
